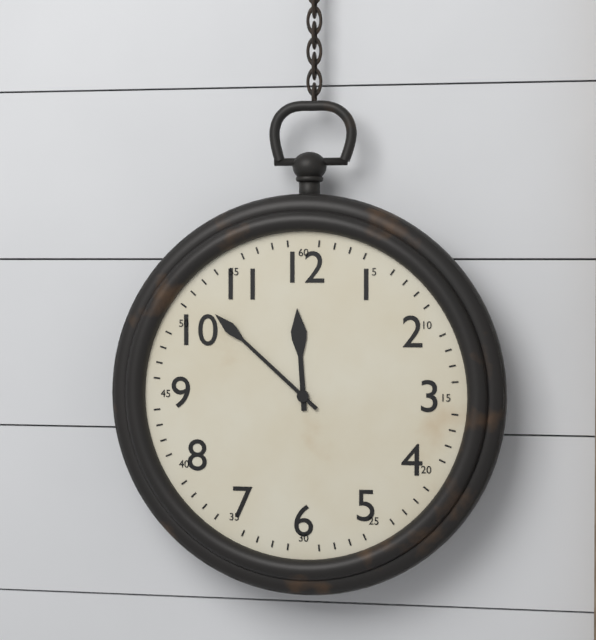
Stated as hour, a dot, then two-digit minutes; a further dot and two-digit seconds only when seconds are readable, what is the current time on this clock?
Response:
11.52
